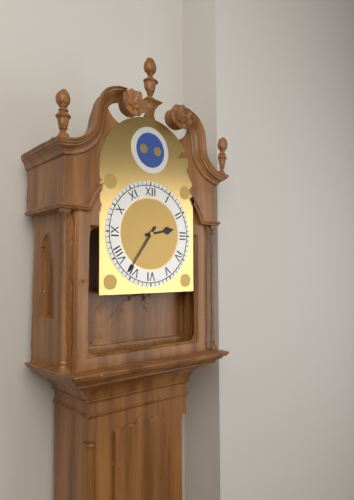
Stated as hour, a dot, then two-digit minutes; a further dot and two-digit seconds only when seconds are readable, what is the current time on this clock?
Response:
2.36
